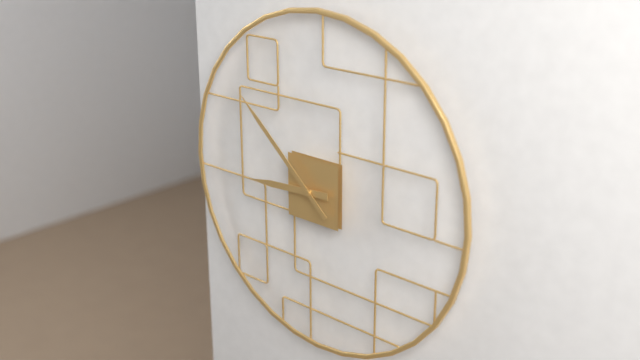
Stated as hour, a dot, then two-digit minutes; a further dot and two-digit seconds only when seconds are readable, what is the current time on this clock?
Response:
8.52
